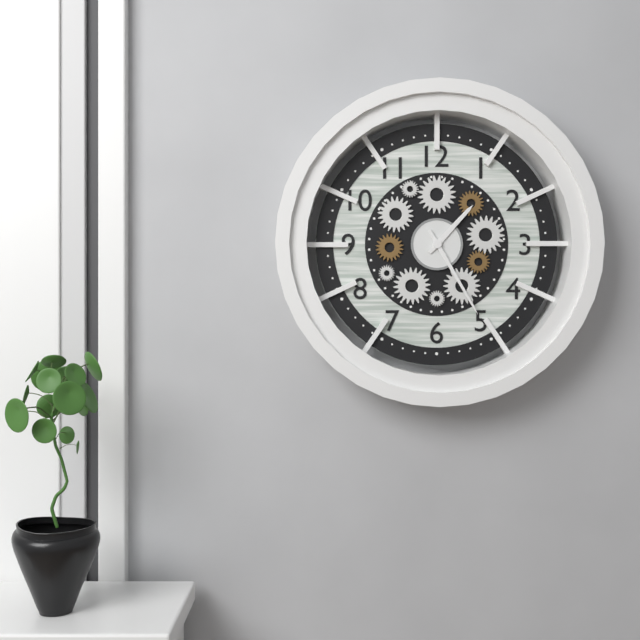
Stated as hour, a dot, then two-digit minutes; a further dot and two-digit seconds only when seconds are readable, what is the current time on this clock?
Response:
1.25
